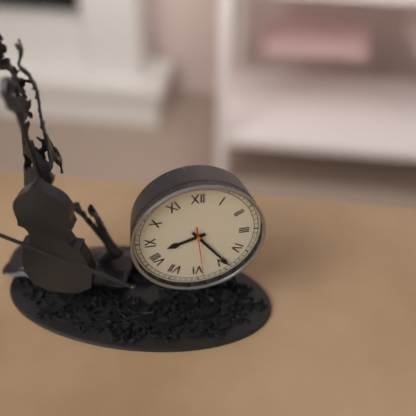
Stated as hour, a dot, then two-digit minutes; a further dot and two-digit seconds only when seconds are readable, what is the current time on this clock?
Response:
8.24.29
